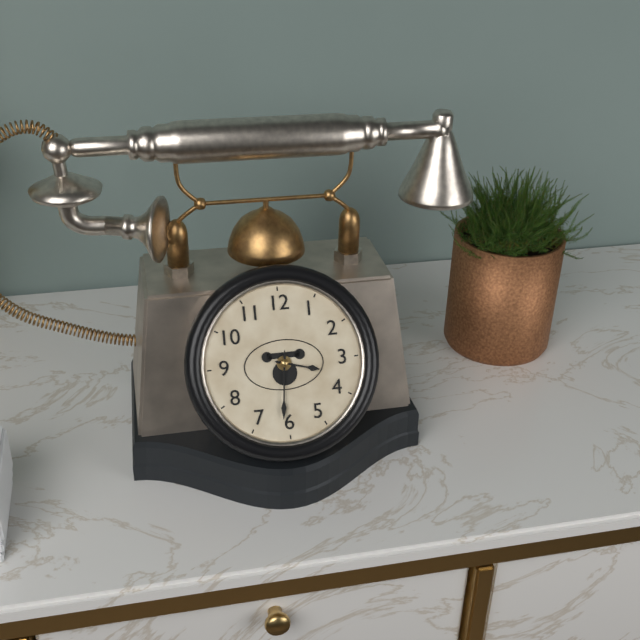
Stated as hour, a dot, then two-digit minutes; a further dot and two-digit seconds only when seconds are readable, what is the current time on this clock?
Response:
3.31
